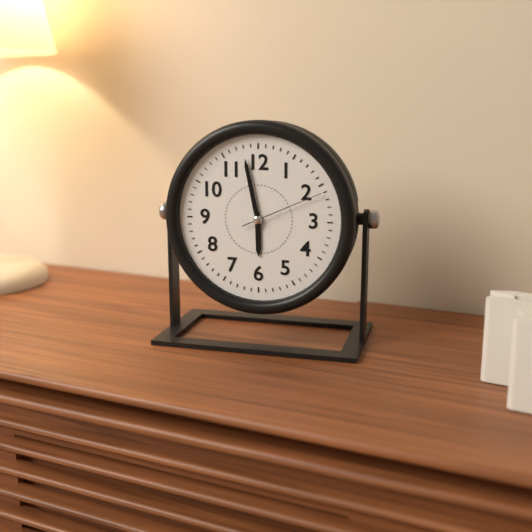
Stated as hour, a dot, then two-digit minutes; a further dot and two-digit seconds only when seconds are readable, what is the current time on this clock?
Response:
5.58.11
